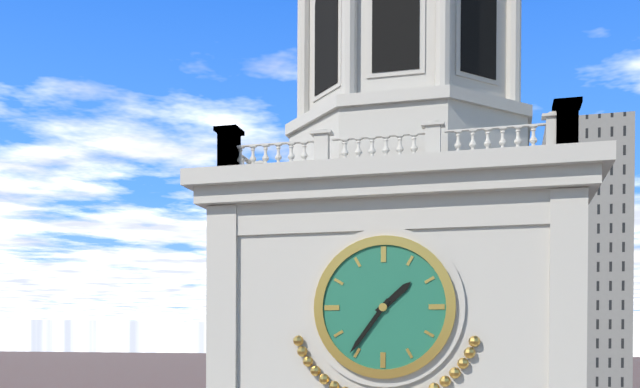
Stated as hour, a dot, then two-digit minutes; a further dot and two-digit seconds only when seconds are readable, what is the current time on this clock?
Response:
1.36
